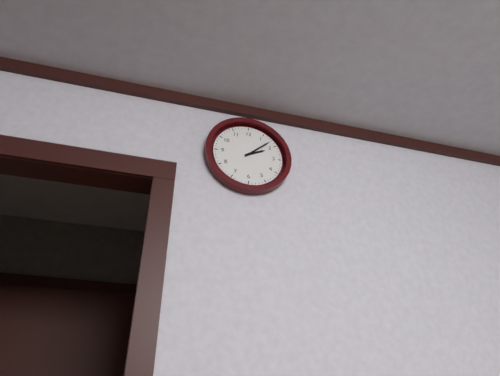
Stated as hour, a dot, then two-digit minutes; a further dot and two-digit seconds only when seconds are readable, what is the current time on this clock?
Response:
2.08
